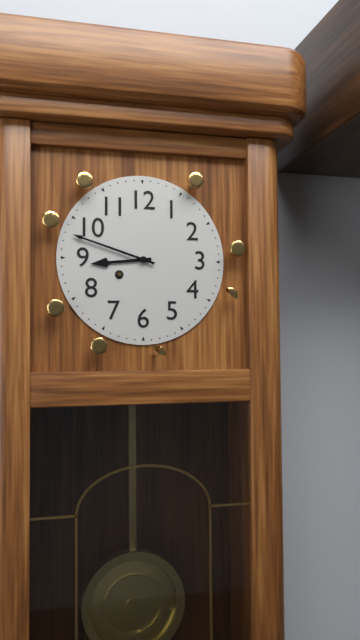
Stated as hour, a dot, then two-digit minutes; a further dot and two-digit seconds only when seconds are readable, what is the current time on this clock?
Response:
8.48
